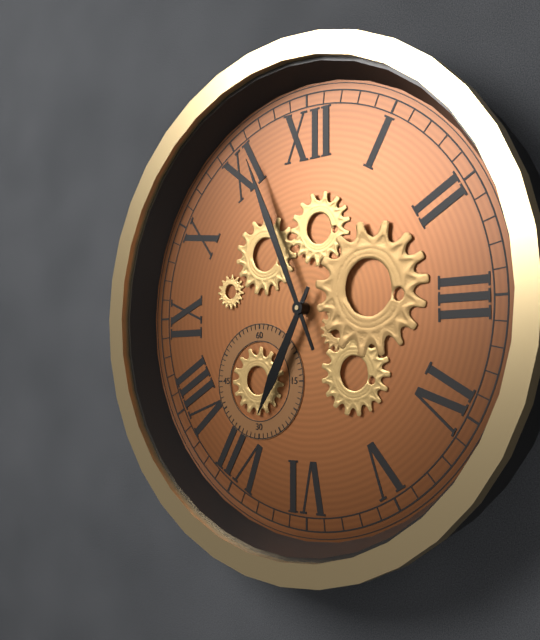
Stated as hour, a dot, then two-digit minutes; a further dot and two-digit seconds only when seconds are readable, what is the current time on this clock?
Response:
6.56
